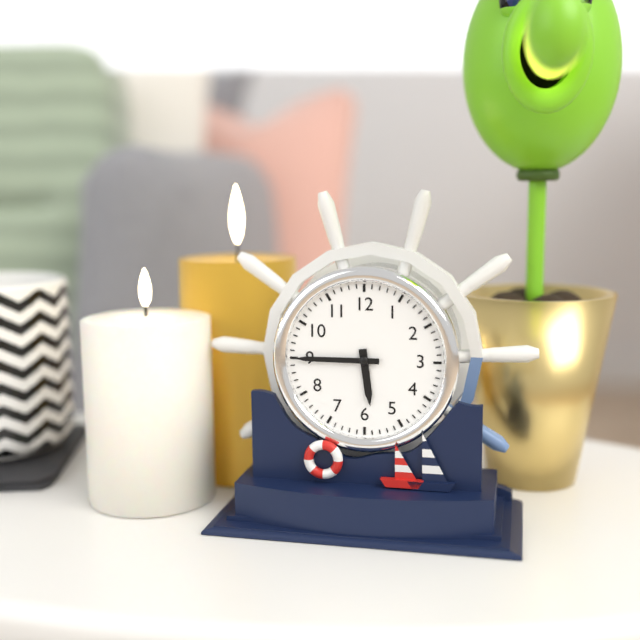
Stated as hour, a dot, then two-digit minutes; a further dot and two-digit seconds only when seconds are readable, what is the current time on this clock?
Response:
5.45
